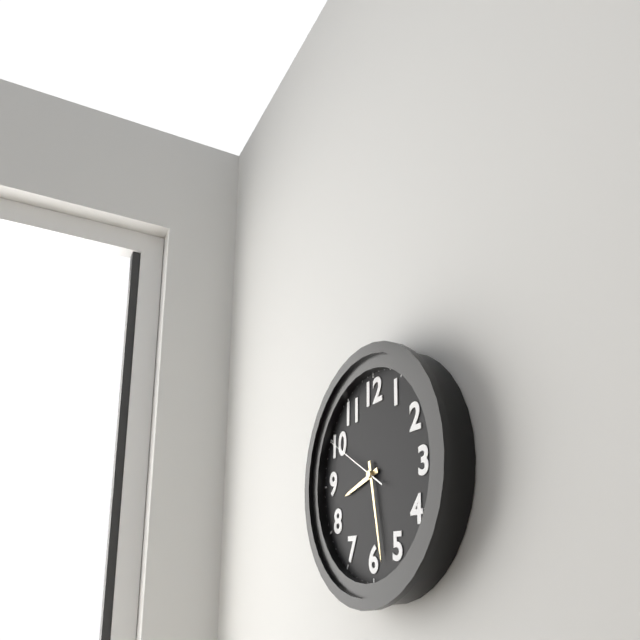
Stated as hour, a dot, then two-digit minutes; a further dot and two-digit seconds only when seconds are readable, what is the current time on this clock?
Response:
8.28.50
